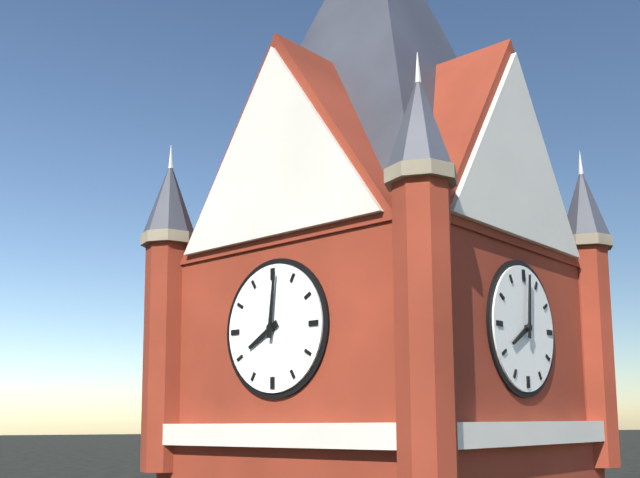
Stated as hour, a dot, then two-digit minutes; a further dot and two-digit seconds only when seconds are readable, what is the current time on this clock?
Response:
8.01
